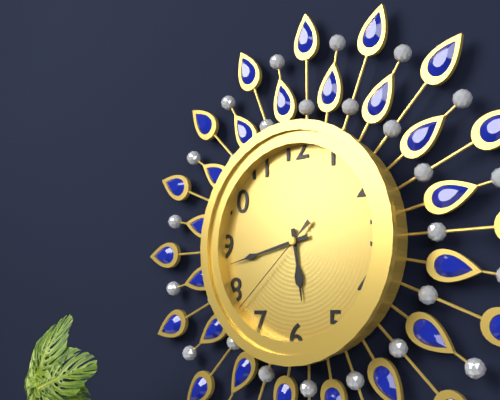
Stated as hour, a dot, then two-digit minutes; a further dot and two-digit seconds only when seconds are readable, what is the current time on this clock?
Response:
5.43.38
